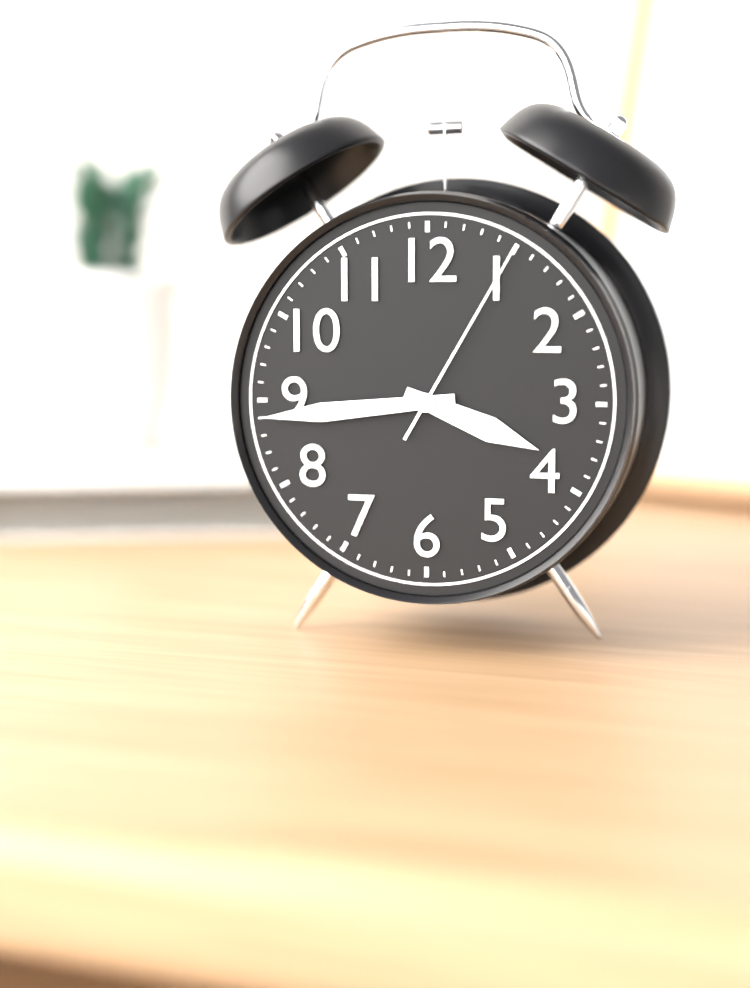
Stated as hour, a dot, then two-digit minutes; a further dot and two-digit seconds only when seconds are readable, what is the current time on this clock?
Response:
3.44.05
